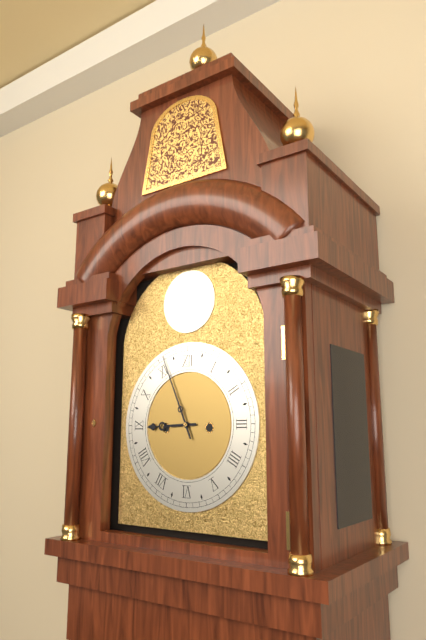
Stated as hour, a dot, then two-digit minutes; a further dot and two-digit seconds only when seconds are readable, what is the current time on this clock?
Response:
8.56
